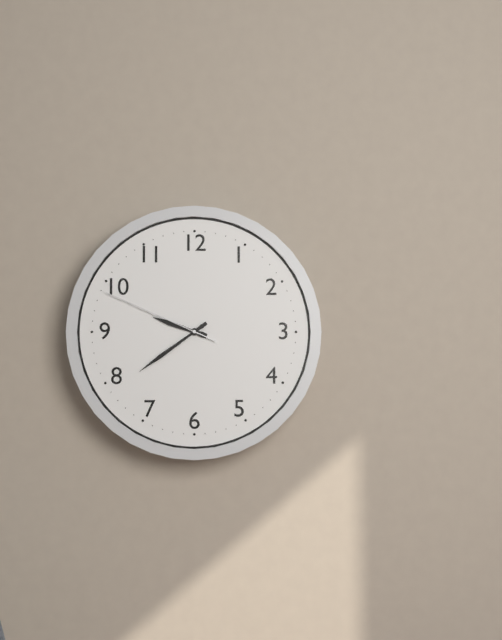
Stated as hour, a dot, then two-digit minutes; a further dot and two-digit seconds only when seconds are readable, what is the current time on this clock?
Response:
9.39.49
